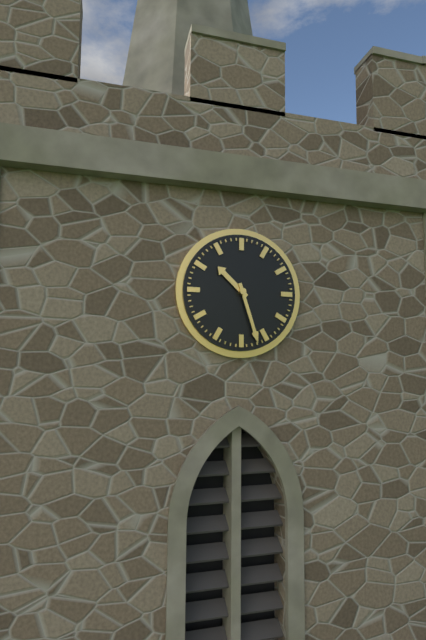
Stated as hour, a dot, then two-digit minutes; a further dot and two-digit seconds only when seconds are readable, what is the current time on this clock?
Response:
10.27
